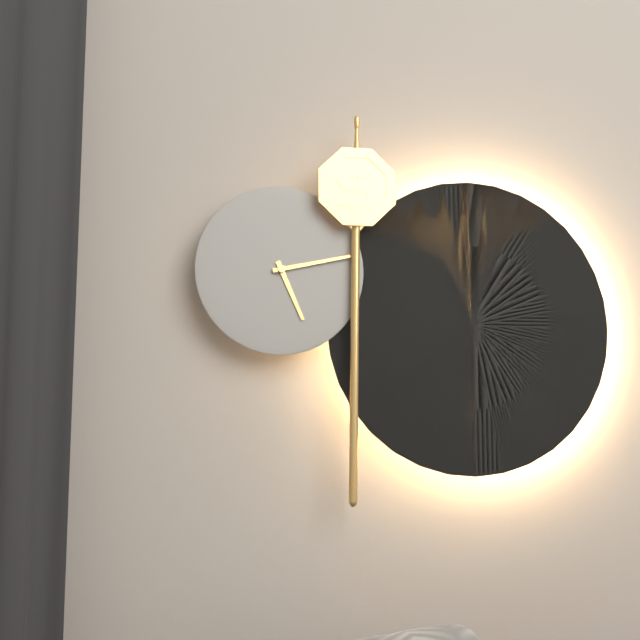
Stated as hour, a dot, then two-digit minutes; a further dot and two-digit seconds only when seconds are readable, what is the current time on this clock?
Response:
5.13
